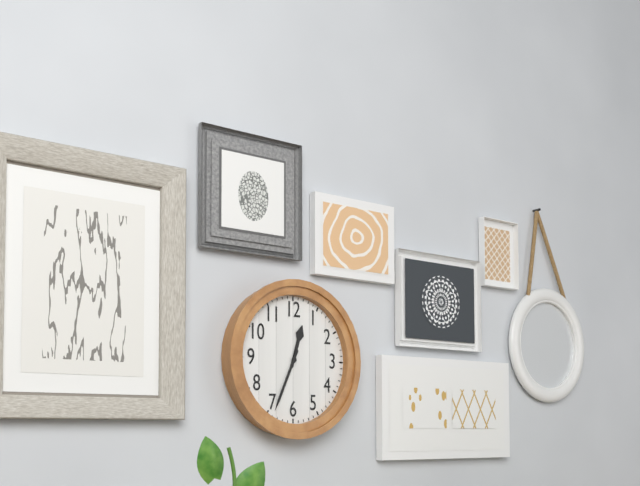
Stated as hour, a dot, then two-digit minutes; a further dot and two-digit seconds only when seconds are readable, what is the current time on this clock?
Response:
12.34
